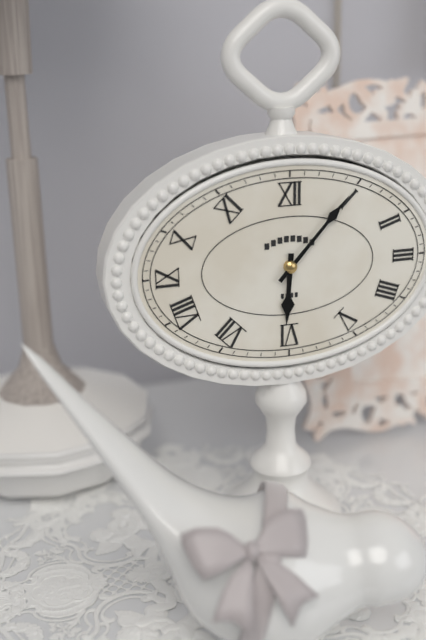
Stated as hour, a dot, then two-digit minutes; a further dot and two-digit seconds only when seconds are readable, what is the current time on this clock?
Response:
6.07
